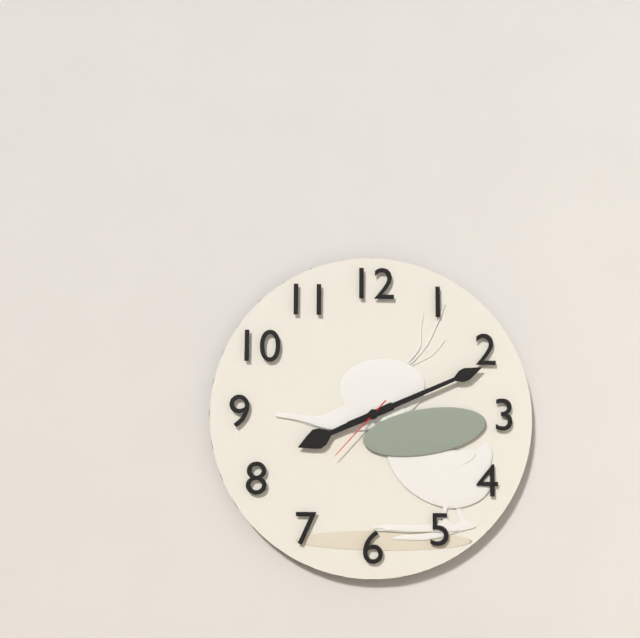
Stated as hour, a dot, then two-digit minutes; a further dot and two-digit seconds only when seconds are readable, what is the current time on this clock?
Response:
8.11.37
